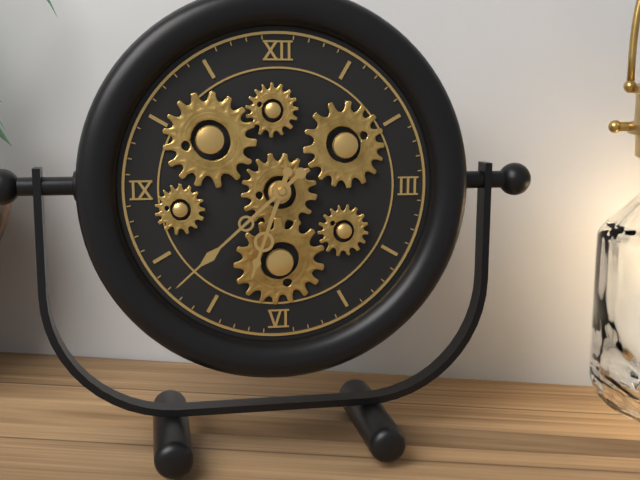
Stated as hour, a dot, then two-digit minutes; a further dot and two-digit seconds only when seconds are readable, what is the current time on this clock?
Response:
6.38
